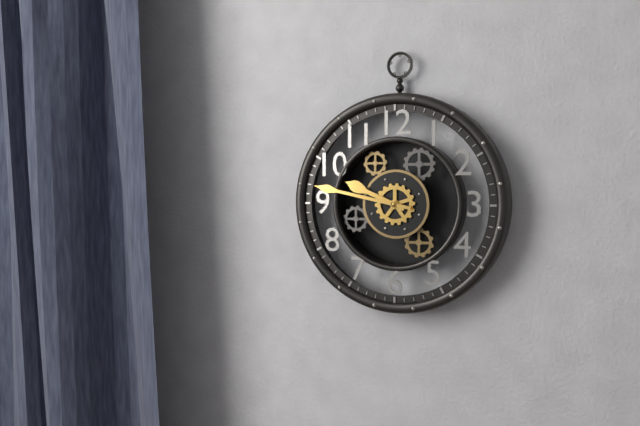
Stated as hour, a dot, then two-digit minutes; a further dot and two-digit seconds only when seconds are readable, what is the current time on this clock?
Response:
9.47
